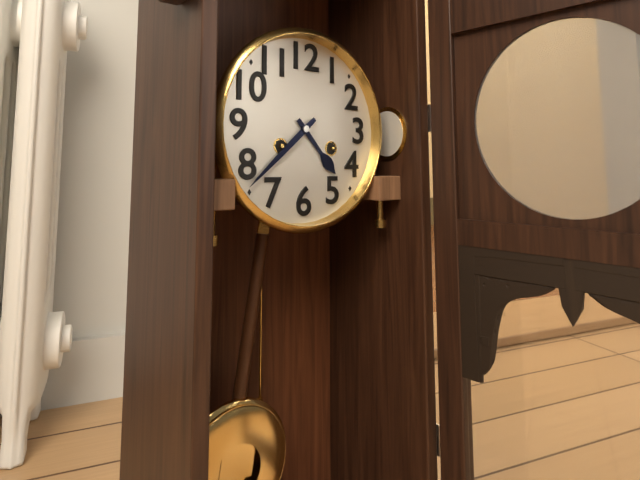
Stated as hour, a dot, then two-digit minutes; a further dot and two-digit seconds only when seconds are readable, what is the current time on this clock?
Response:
4.38
